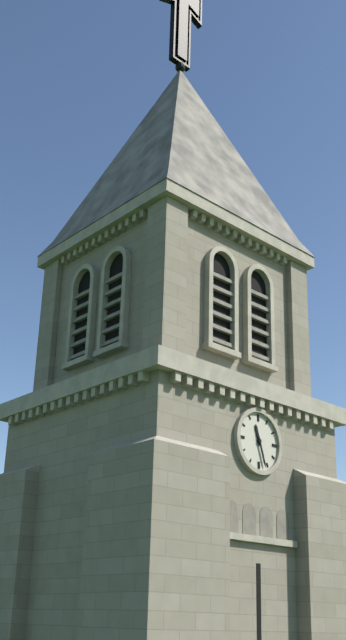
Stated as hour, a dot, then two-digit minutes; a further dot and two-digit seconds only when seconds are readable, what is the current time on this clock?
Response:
11.27
